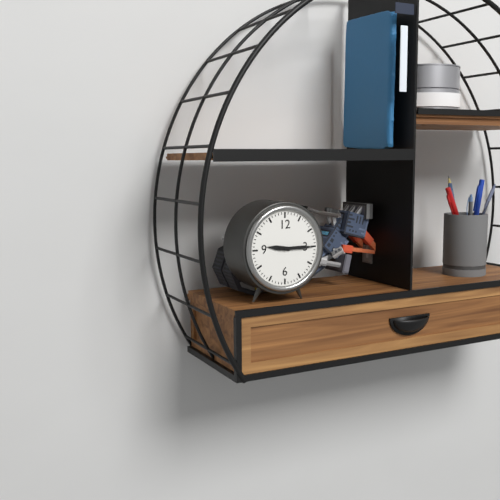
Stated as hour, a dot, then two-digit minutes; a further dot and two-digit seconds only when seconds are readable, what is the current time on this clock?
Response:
9.15
